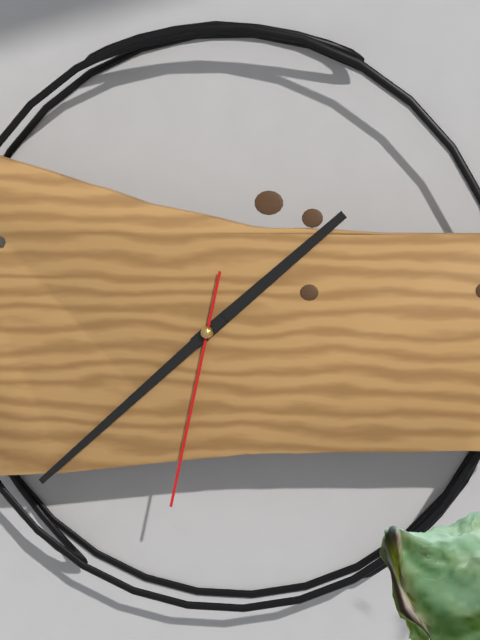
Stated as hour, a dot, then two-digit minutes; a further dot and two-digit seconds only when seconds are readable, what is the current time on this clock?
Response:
1.38.32
